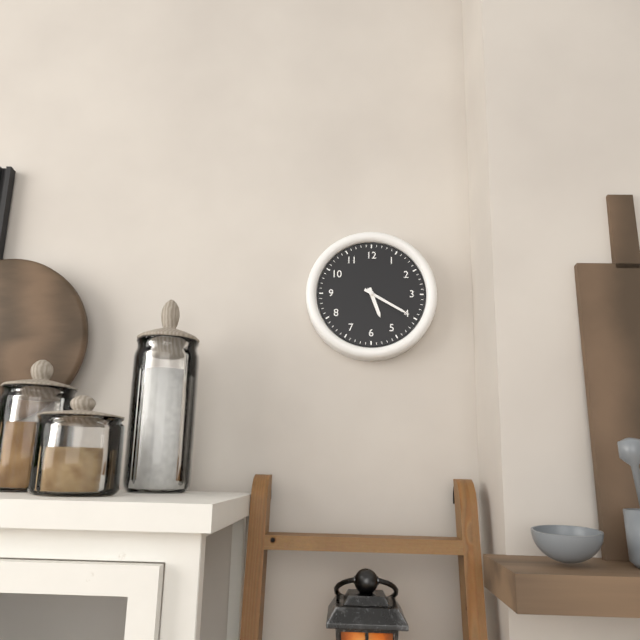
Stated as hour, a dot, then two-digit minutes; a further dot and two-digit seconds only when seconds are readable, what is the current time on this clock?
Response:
5.20
